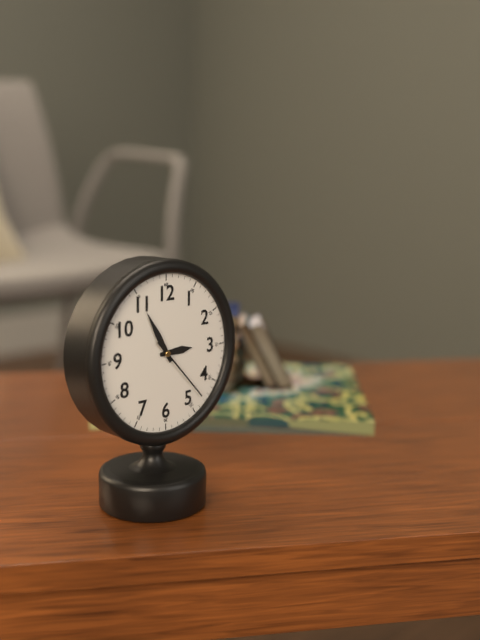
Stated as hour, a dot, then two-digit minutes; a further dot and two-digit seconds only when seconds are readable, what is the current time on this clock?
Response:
2.55.23
